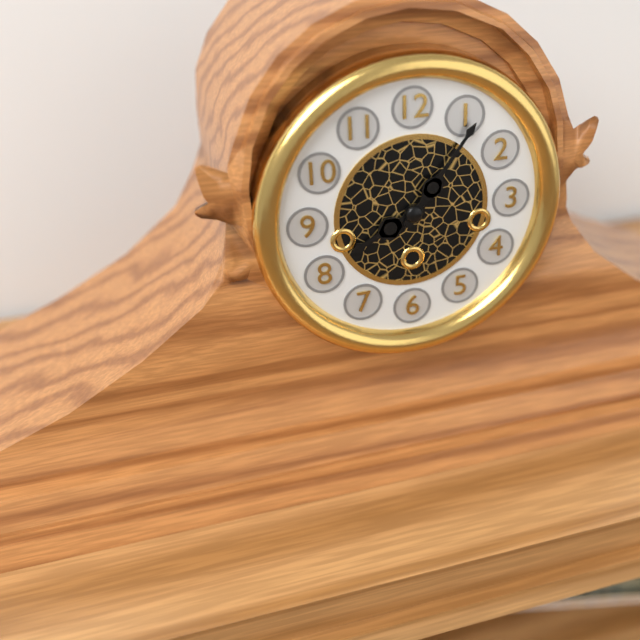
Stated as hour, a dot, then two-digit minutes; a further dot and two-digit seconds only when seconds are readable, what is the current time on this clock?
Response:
8.06
